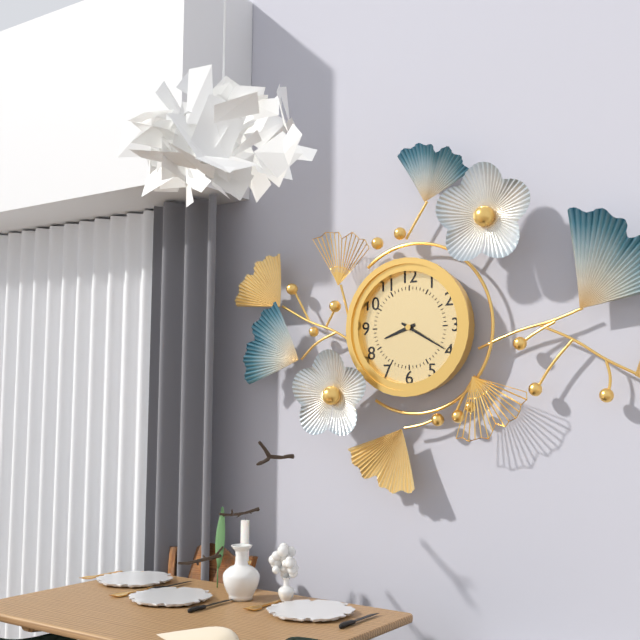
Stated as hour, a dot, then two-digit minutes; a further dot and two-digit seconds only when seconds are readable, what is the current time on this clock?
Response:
8.20
